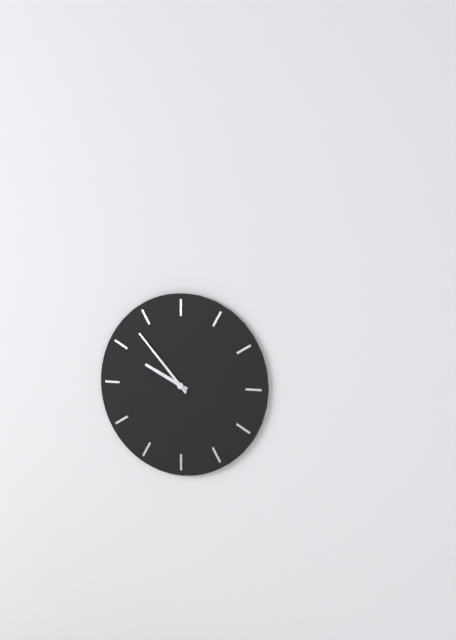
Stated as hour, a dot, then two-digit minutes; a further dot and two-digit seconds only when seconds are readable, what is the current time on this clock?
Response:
9.53
